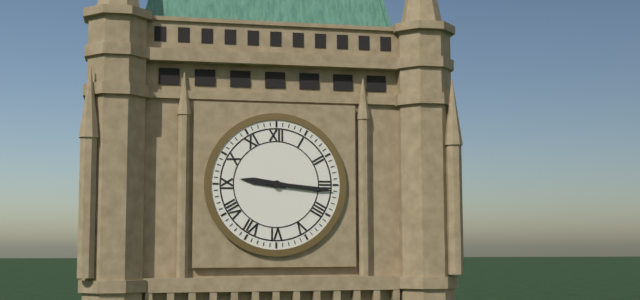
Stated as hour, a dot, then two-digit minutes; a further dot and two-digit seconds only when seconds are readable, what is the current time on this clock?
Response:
9.16
